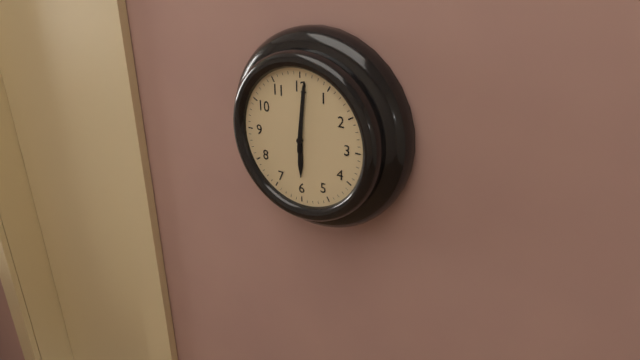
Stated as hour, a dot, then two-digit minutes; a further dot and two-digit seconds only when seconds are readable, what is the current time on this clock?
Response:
6.01
